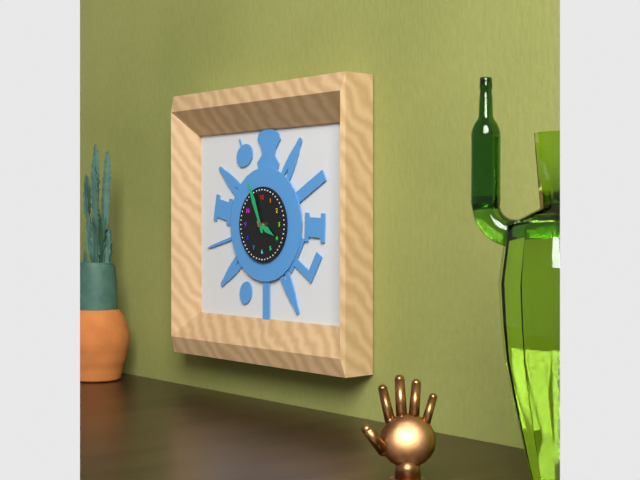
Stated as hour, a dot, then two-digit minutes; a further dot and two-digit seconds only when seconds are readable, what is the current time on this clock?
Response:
3.56
